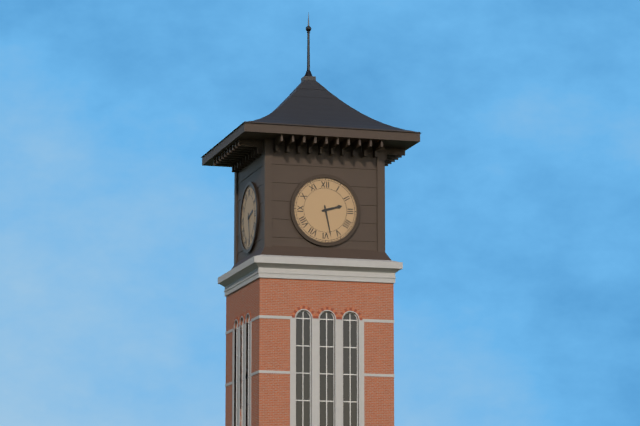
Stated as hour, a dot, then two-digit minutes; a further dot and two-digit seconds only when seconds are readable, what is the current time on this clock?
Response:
2.28
